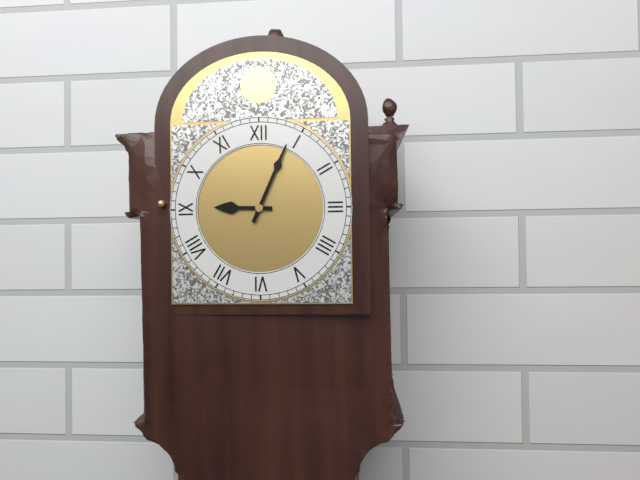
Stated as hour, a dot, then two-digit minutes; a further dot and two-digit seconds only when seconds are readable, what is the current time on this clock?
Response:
9.04
